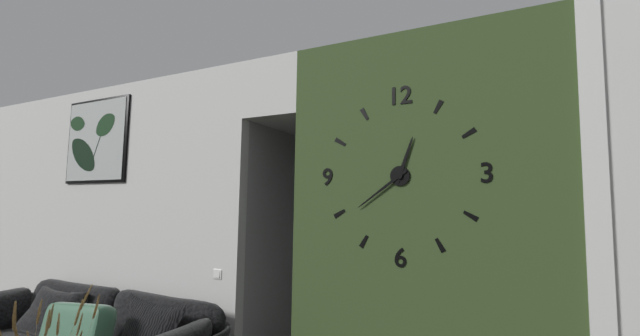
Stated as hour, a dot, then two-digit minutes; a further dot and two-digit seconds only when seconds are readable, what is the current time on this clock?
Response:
12.39
